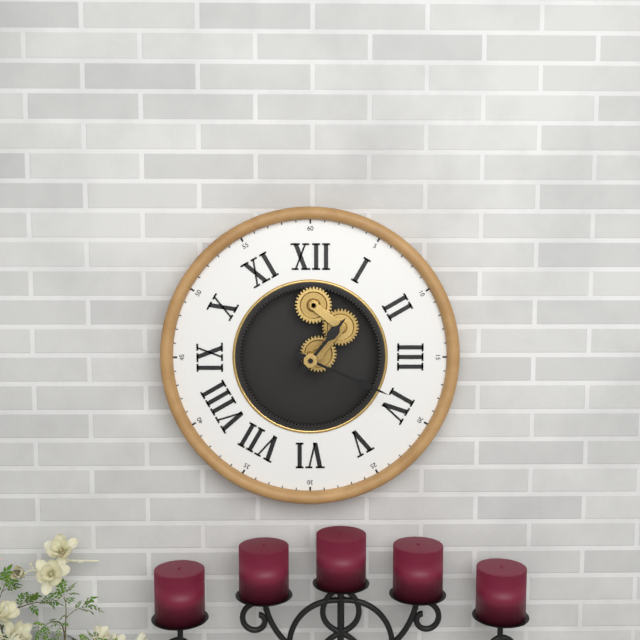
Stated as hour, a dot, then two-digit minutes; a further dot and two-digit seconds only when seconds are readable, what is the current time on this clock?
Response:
1.19
